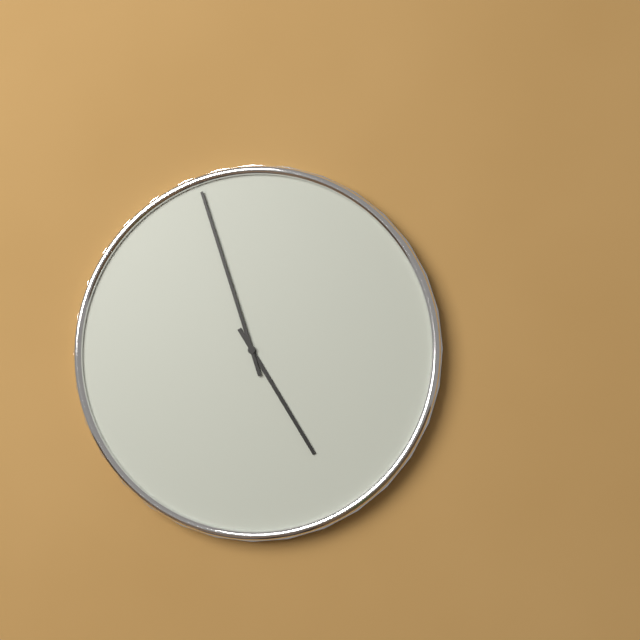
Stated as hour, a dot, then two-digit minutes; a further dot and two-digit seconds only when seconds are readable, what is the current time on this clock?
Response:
4.57
